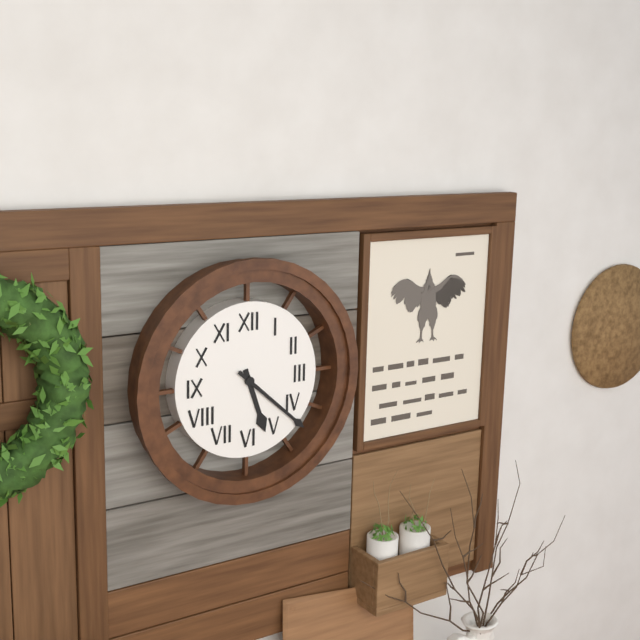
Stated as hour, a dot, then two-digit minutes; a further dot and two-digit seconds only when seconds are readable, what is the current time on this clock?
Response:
5.22
